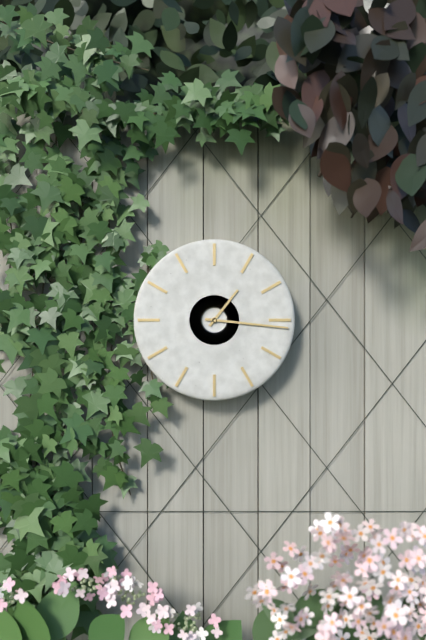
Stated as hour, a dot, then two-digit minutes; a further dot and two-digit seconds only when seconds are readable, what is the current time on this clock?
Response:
1.16
